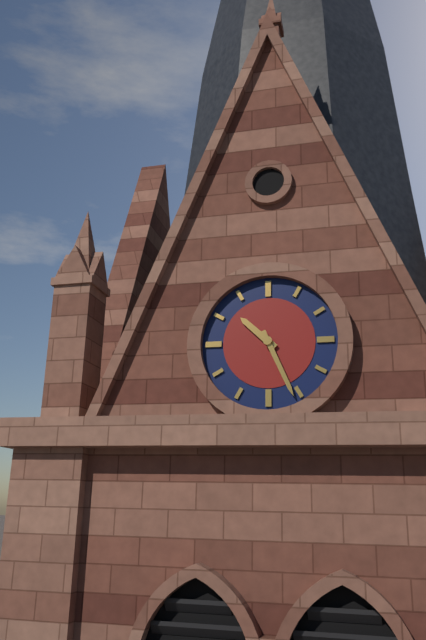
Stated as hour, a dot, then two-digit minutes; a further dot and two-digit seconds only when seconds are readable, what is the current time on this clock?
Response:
10.26
